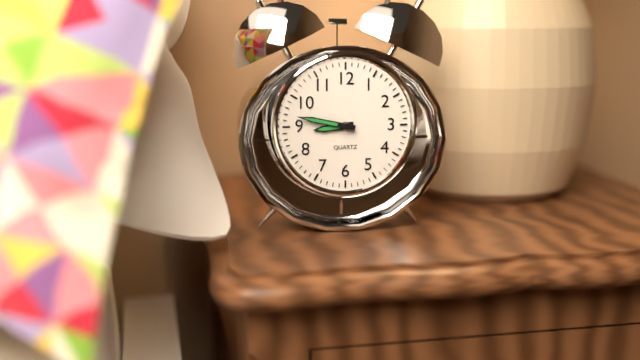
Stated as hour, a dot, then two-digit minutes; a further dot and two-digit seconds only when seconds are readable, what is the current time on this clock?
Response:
8.47
